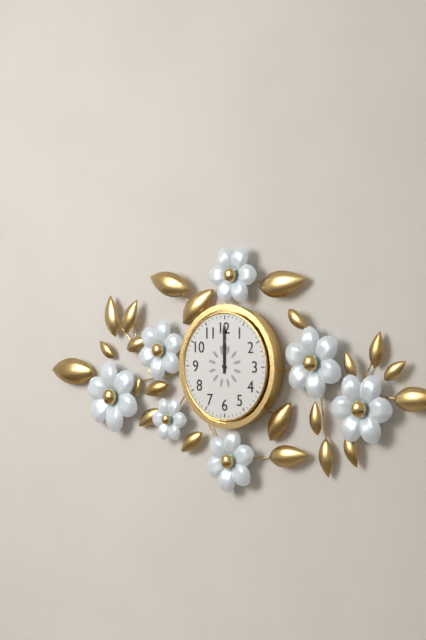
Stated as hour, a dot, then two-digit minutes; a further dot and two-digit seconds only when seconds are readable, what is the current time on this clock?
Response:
12.00
